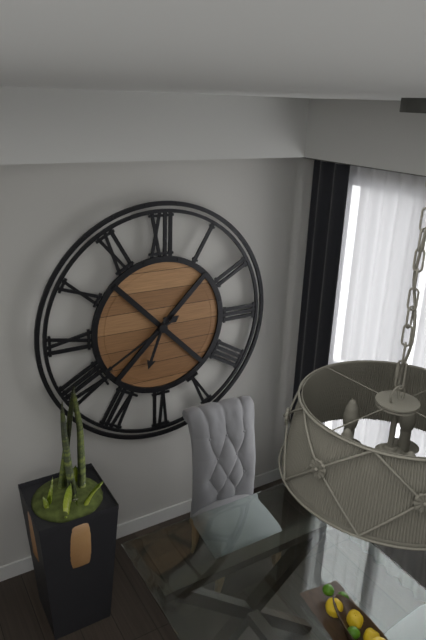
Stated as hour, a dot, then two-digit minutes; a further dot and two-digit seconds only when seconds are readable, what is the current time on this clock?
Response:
6.40
